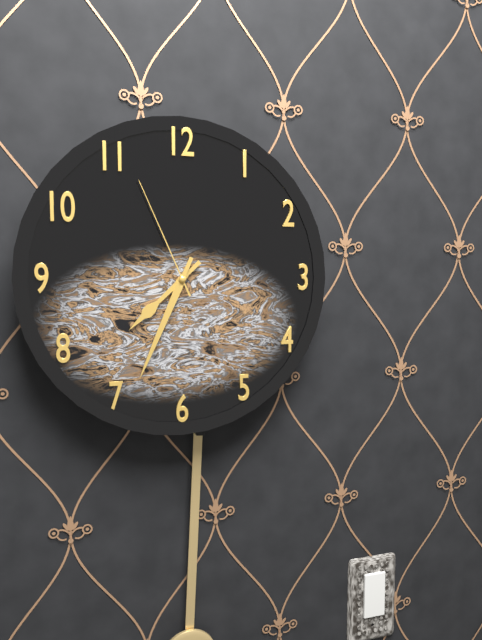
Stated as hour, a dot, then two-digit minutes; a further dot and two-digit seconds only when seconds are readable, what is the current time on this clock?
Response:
7.34.56
